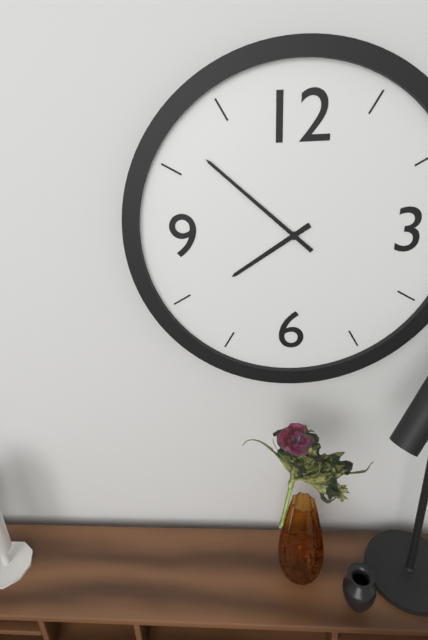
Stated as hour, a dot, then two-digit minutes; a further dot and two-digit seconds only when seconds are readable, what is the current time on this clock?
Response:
7.52
